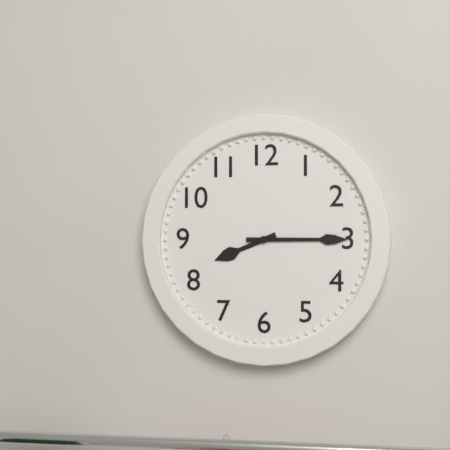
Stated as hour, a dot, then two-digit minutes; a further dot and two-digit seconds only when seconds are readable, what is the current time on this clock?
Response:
8.15
